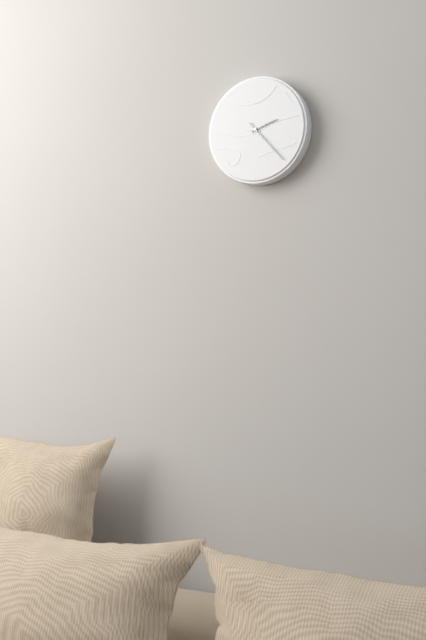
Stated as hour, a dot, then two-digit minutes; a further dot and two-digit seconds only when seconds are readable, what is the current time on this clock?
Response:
2.23
